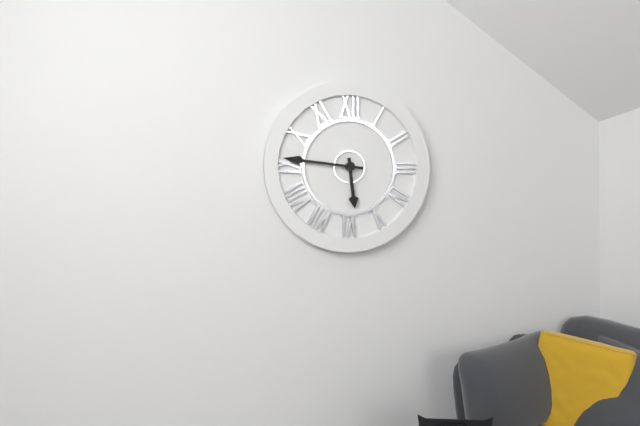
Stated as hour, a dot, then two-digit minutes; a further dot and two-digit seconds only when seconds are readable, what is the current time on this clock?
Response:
5.46
